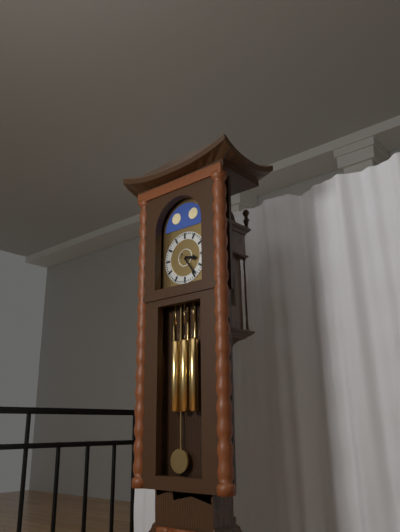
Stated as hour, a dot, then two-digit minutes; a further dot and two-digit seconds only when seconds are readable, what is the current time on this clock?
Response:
3.24
